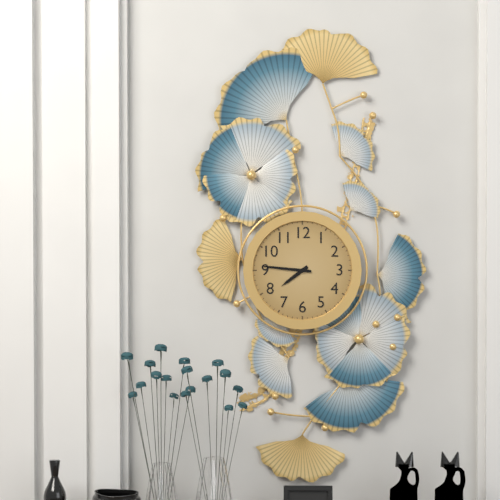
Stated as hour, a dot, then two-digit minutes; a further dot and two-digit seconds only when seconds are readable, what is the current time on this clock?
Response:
7.46
